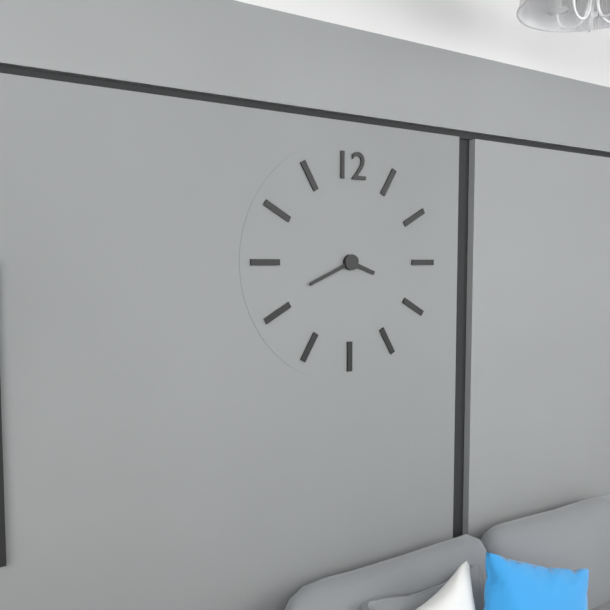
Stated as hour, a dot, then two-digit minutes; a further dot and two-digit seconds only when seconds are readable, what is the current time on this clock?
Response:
3.41
